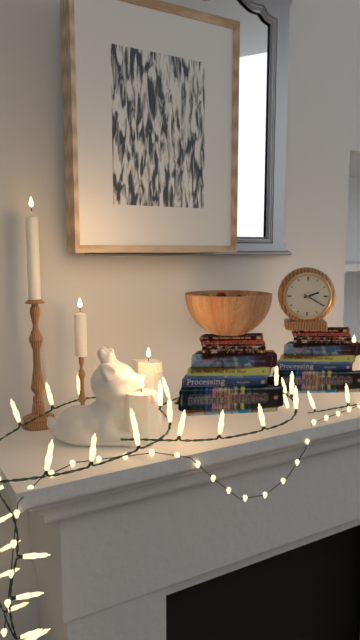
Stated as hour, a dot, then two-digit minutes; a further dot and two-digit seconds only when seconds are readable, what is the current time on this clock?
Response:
2.20
